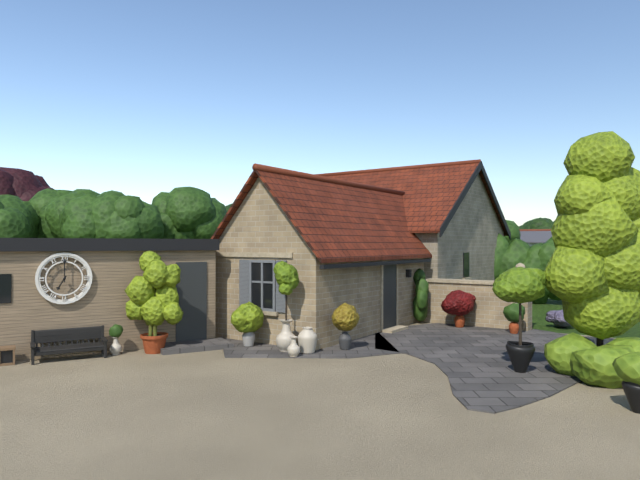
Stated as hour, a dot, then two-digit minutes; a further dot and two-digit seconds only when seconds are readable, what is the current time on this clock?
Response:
7.00
